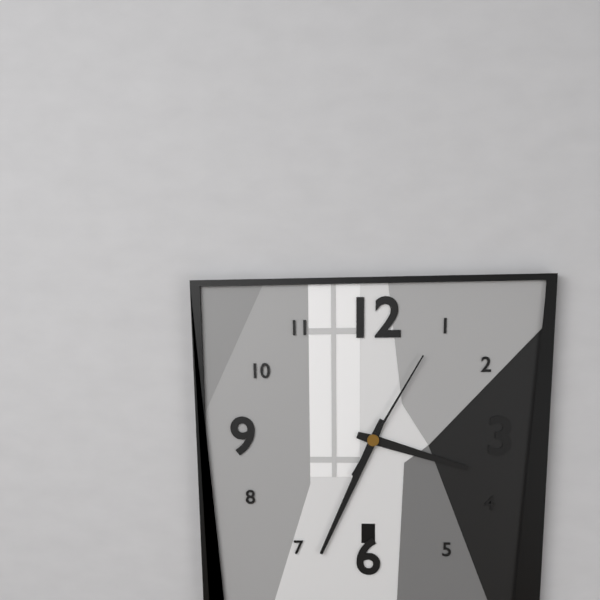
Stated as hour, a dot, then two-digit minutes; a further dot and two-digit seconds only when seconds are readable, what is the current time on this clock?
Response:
3.34.05
